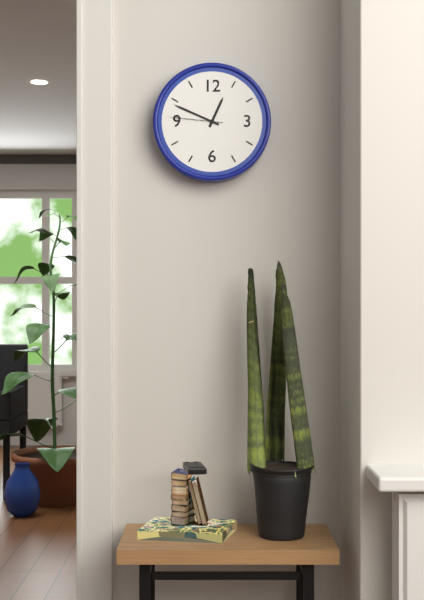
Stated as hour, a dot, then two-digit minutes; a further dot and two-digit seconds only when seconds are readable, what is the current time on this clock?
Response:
12.49.46
